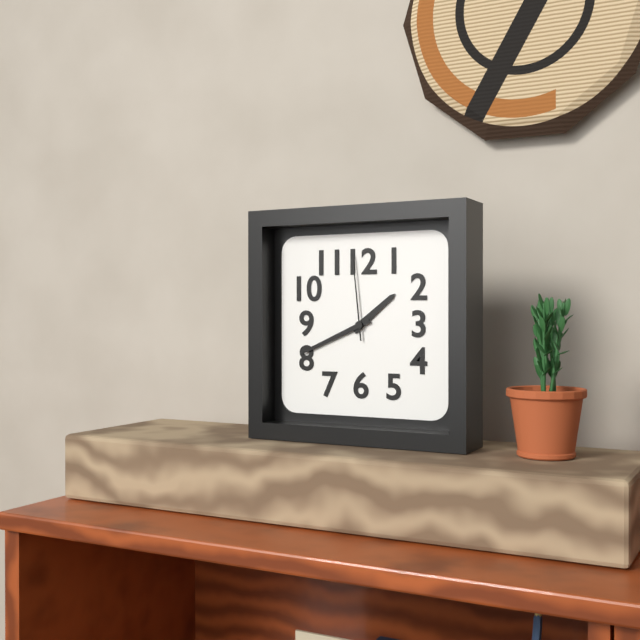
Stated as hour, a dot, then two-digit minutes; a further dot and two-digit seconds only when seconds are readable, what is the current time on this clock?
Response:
1.41.59
